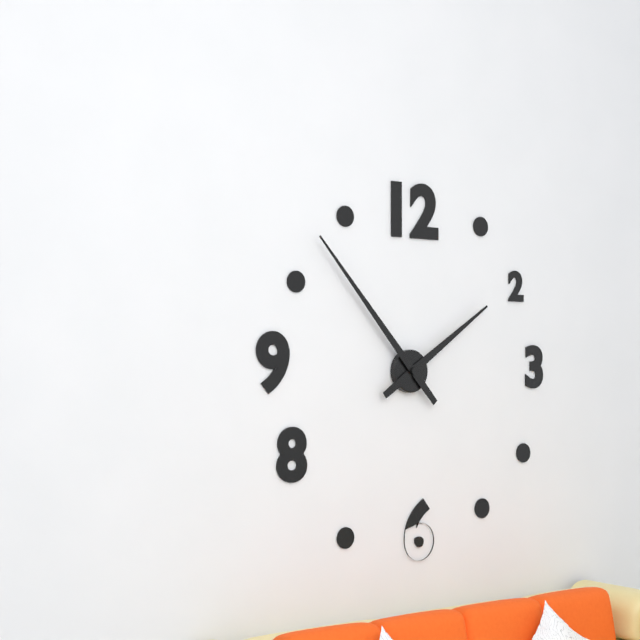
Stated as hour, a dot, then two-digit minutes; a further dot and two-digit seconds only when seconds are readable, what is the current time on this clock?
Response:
1.53
